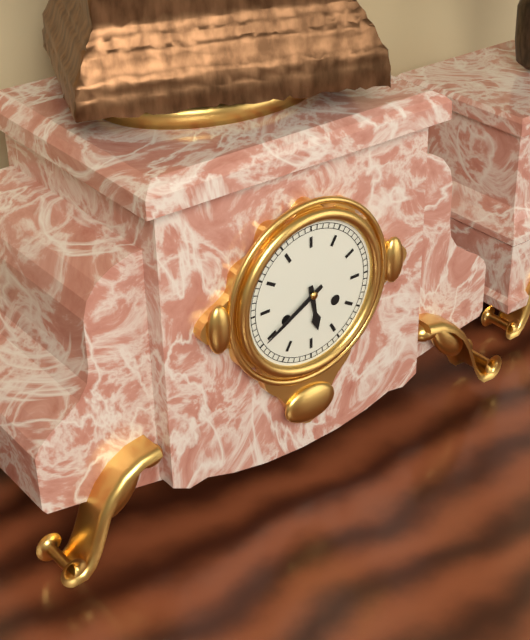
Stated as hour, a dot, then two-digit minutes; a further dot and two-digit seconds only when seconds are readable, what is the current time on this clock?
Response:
5.40
